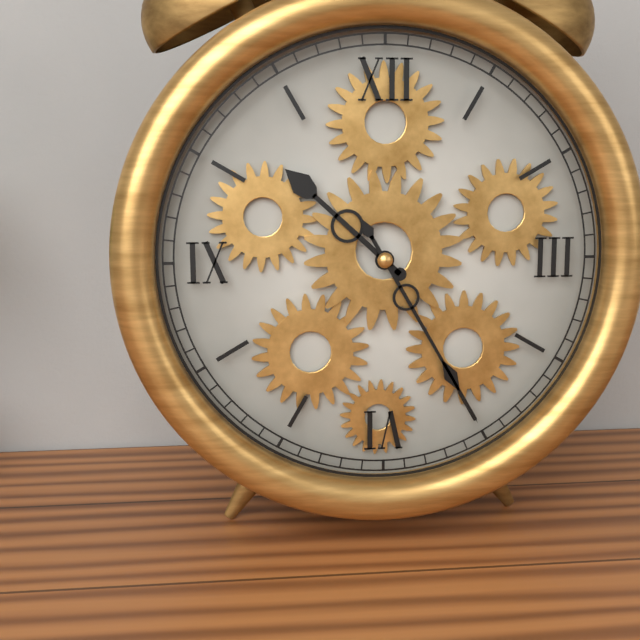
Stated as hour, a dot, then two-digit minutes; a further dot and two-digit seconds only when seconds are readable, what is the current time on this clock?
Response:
10.25
